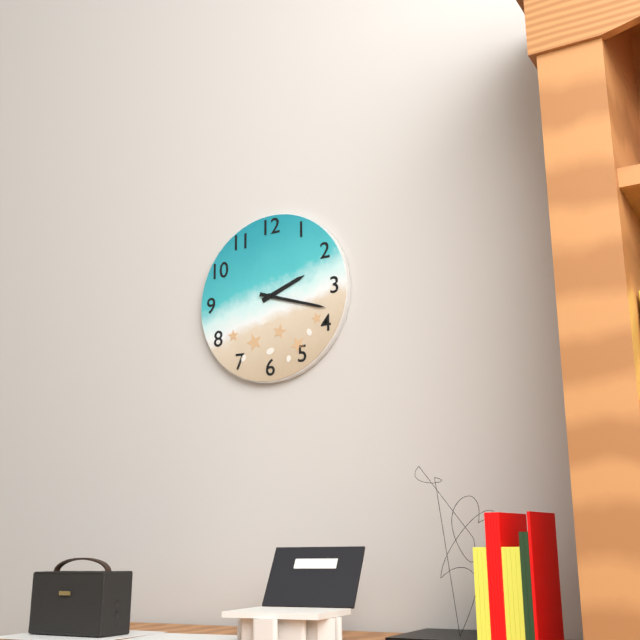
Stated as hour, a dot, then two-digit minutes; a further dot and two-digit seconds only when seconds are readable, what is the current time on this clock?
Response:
2.18
